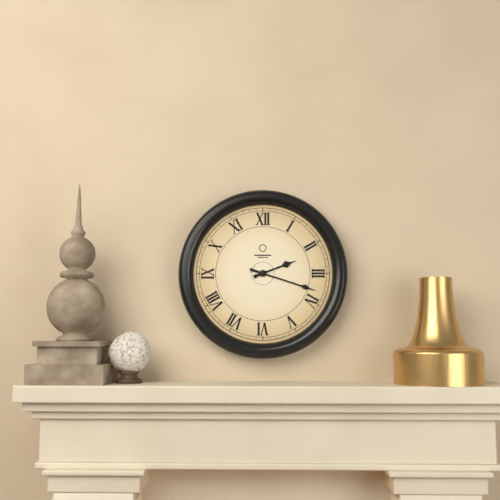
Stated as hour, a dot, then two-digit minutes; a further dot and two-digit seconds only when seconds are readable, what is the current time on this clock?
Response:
2.18
